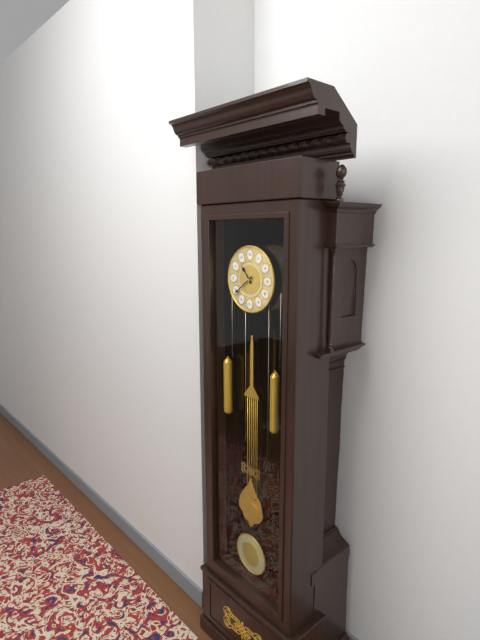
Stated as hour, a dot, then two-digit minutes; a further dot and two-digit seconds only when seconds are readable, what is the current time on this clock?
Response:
10.39
